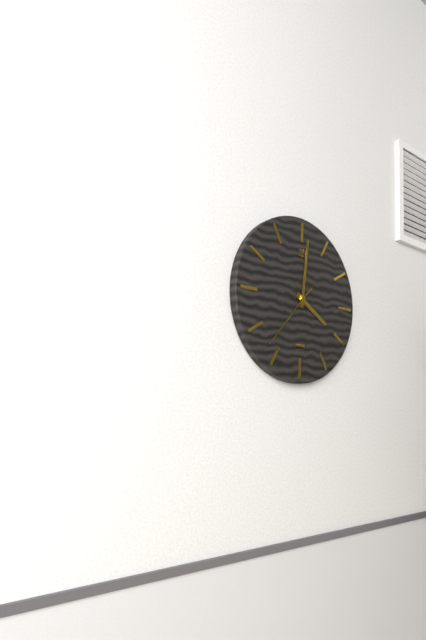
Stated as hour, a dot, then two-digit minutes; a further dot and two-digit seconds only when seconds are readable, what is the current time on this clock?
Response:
4.01.37
